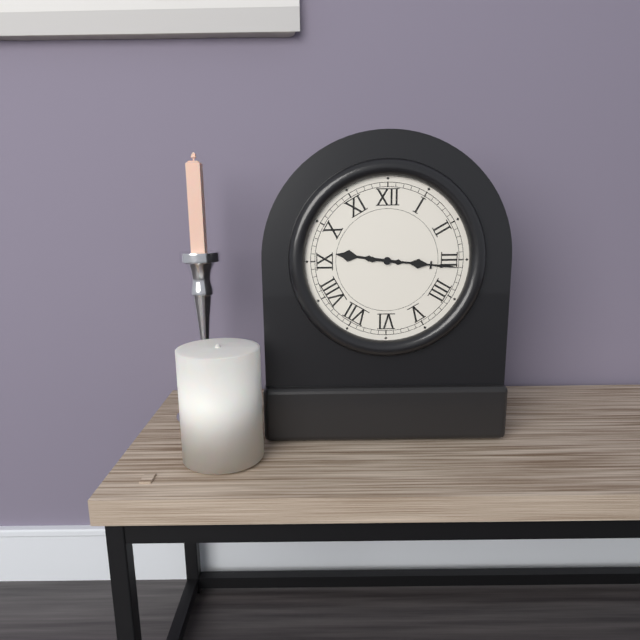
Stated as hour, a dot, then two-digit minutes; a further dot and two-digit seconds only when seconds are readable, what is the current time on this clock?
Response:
9.16
